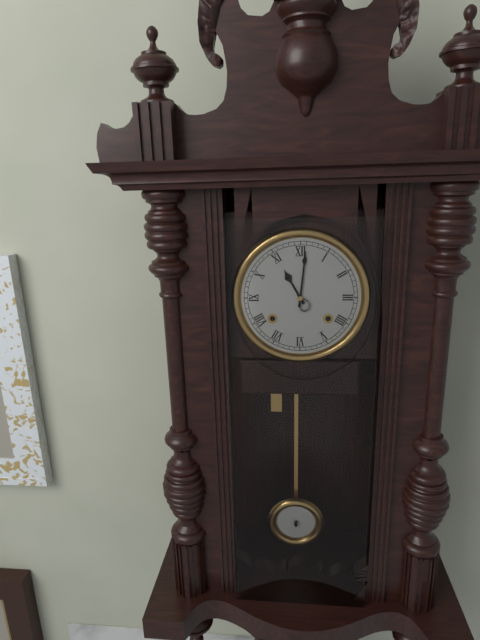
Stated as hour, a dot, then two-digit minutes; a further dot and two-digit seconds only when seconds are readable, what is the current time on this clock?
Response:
11.01
